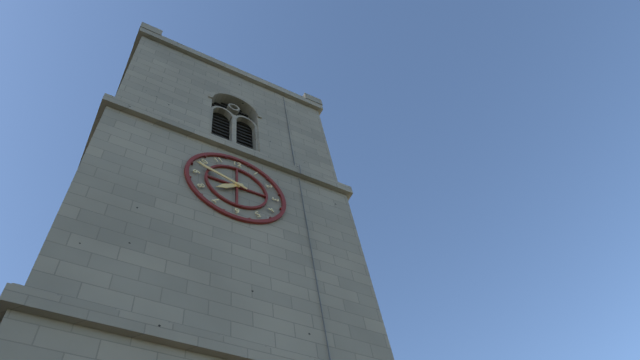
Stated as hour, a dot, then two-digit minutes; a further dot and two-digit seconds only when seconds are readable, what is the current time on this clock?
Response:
7.48
